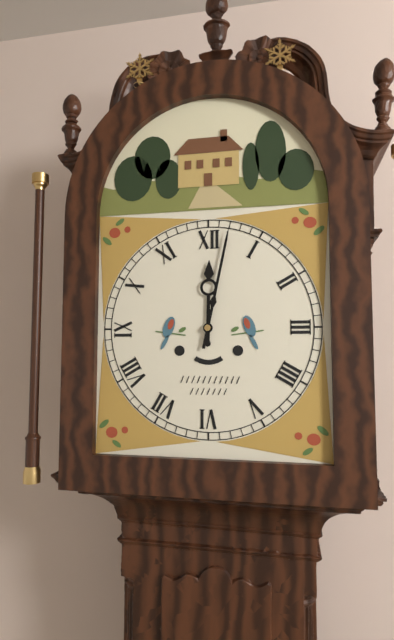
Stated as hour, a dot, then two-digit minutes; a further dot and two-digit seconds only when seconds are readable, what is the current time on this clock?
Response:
12.02
